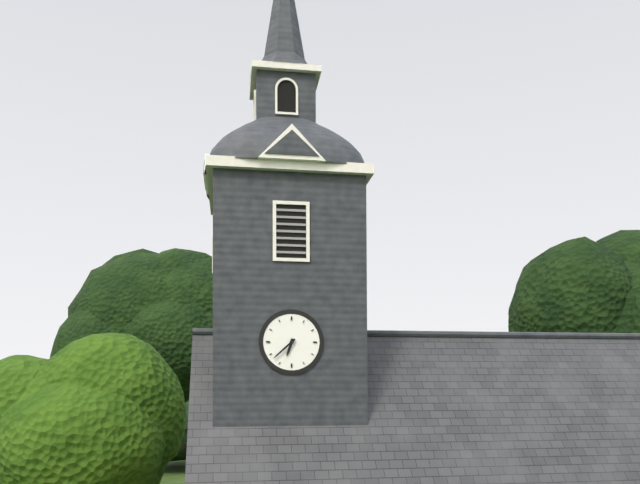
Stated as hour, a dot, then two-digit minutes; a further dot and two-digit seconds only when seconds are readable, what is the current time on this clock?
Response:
6.38
